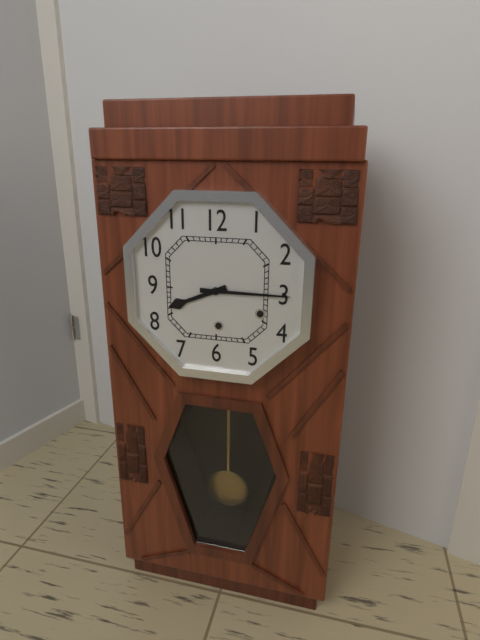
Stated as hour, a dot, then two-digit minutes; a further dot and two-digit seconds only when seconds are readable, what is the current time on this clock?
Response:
8.15
